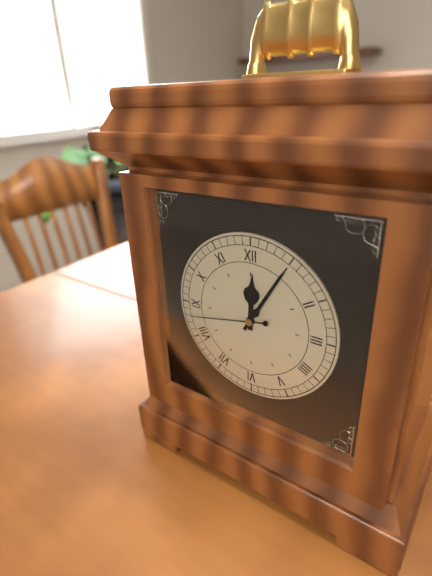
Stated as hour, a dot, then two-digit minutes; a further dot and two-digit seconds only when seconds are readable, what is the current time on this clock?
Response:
12.05.43
